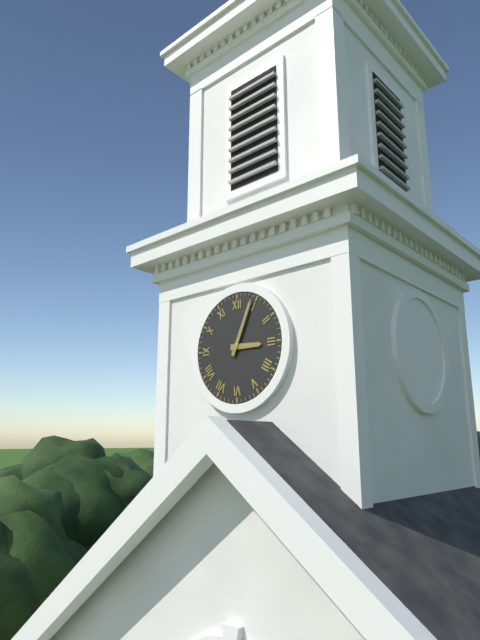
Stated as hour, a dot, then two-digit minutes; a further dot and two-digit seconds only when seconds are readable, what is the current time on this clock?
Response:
3.04
